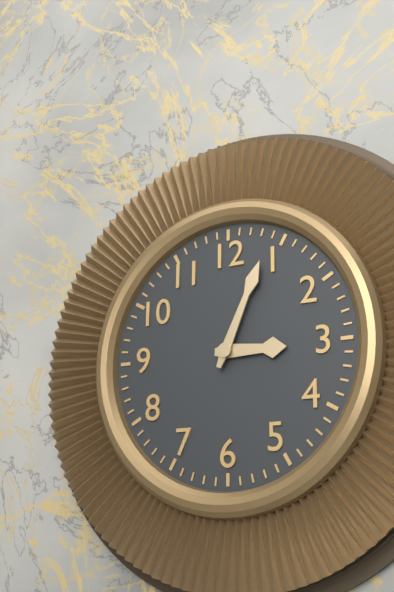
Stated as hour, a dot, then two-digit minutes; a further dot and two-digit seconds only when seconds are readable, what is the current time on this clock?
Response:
3.04
